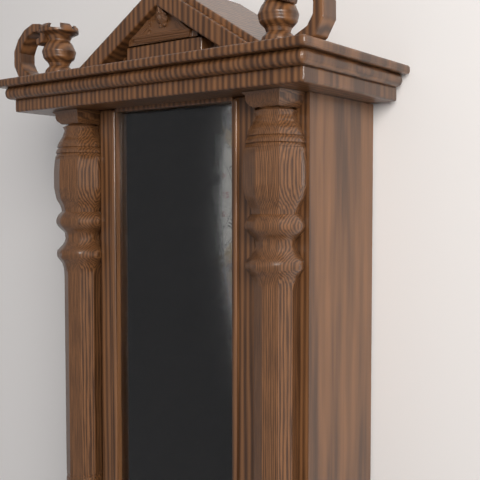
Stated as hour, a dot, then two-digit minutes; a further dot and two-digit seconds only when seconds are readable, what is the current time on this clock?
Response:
1.50
